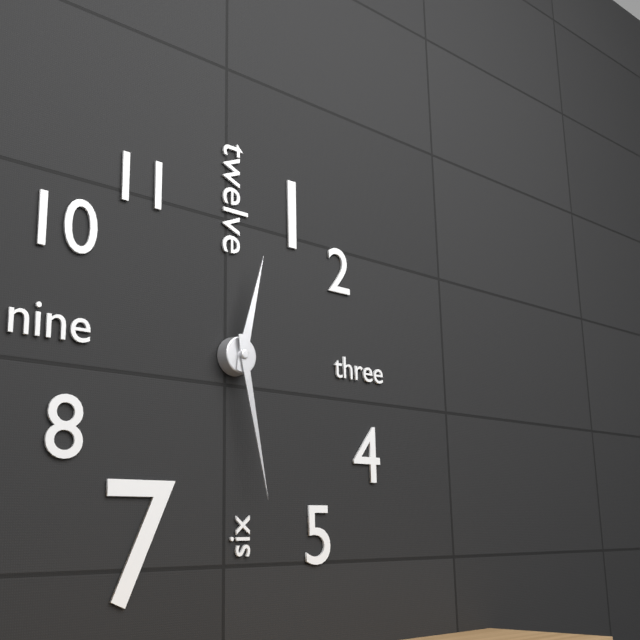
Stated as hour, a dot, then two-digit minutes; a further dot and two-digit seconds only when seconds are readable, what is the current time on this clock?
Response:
12.28
